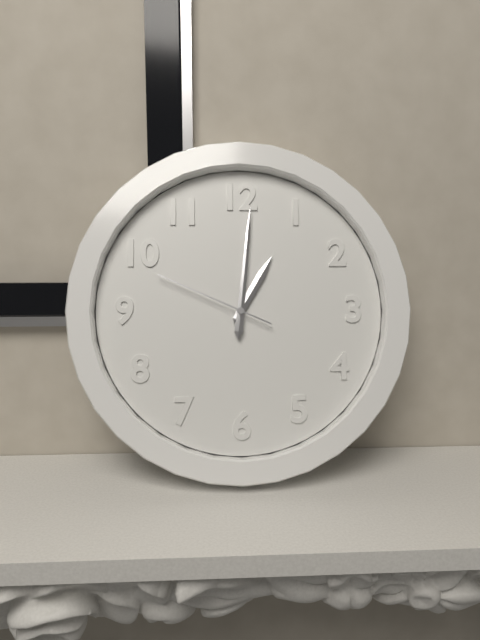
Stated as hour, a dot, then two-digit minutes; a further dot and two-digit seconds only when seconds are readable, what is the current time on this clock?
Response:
1.01.49
